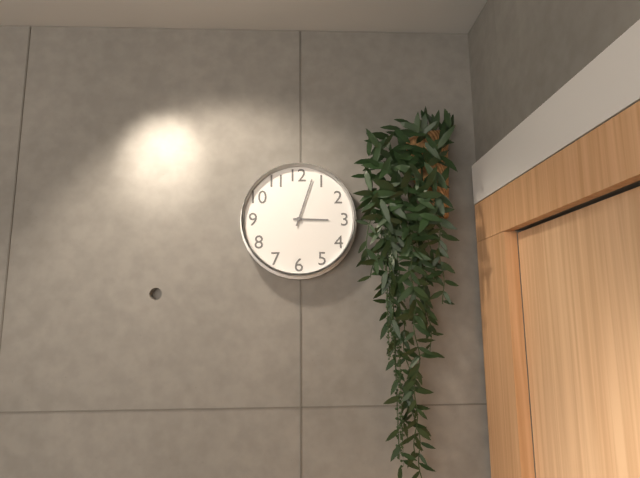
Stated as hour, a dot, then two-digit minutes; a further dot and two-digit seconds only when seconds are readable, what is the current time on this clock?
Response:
3.03
